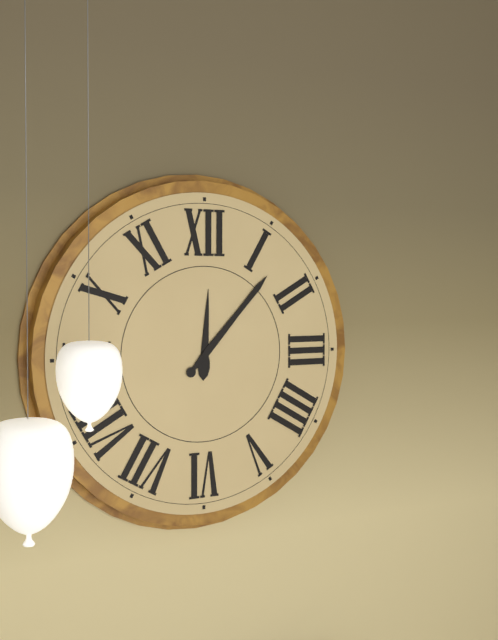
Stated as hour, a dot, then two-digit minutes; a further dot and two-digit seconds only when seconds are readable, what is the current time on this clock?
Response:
12.07
